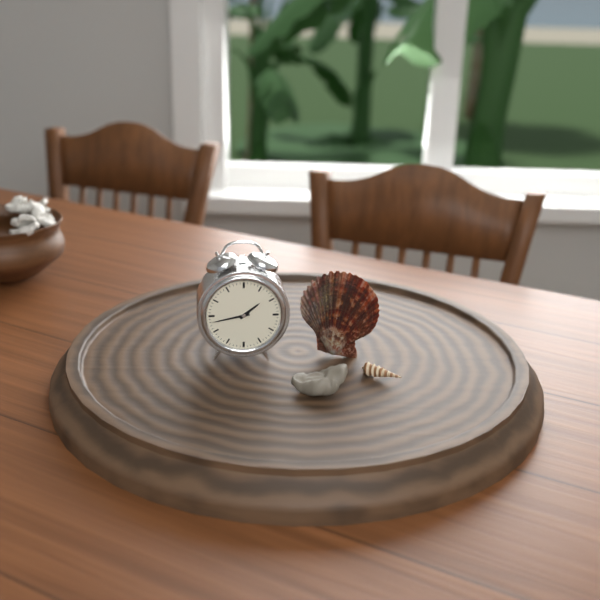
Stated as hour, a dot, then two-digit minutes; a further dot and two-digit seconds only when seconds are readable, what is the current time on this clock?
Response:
1.43
